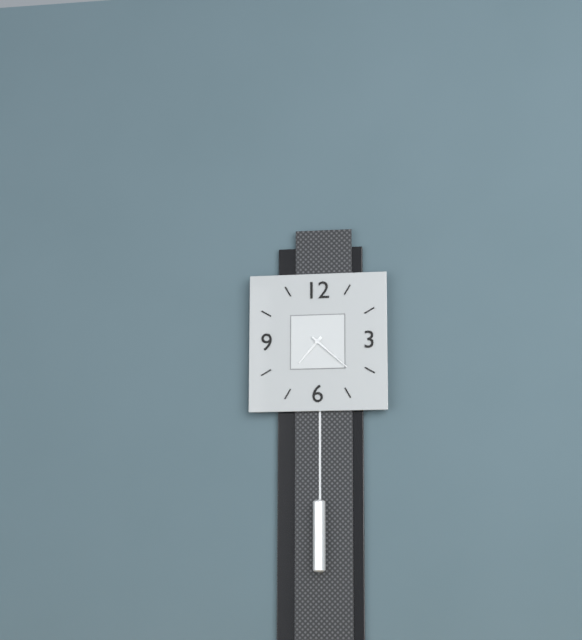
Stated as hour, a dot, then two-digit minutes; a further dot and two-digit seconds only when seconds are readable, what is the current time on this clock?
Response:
7.22
